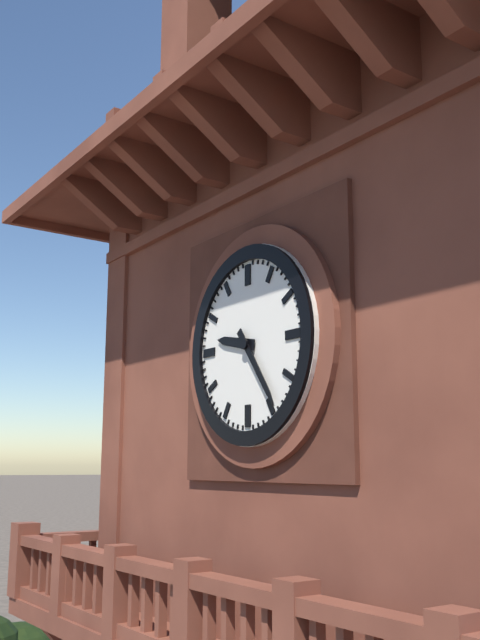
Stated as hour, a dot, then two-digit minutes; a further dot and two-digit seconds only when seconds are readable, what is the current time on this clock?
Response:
9.24
